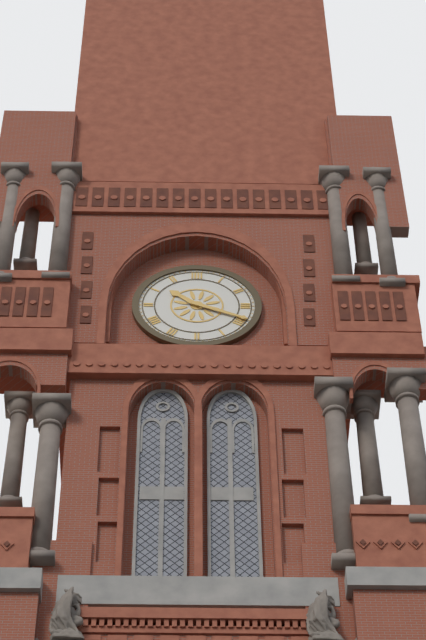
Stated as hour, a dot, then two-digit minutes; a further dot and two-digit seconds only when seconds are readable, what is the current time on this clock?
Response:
10.19
